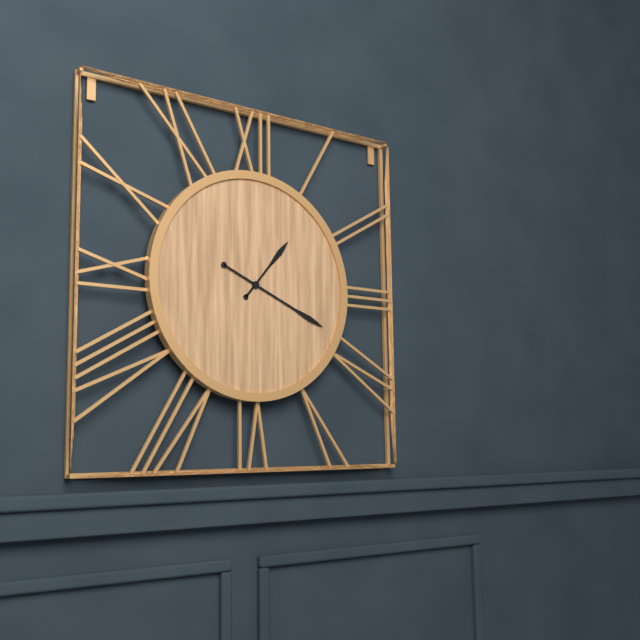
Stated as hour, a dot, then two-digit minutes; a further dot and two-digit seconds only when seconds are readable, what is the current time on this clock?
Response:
1.19
